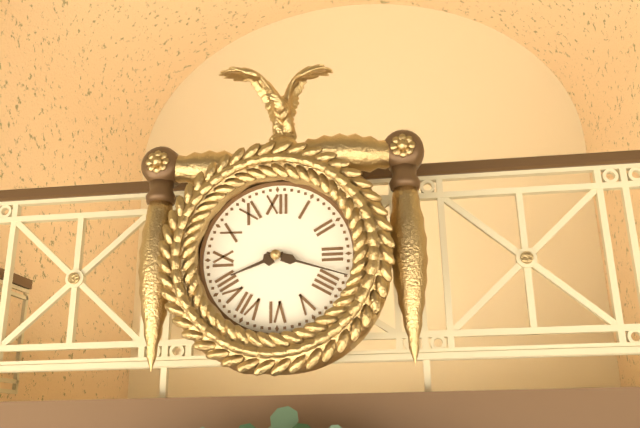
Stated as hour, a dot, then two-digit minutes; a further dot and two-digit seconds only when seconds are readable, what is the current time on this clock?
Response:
8.18
